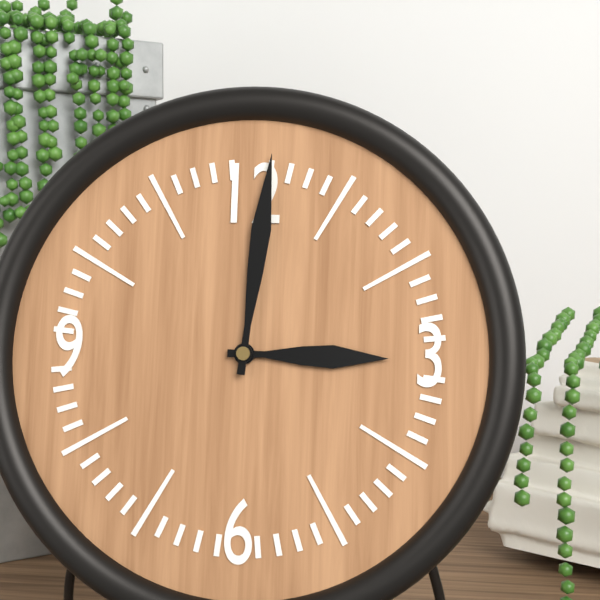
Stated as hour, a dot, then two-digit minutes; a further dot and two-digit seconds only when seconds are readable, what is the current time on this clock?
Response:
3.01
